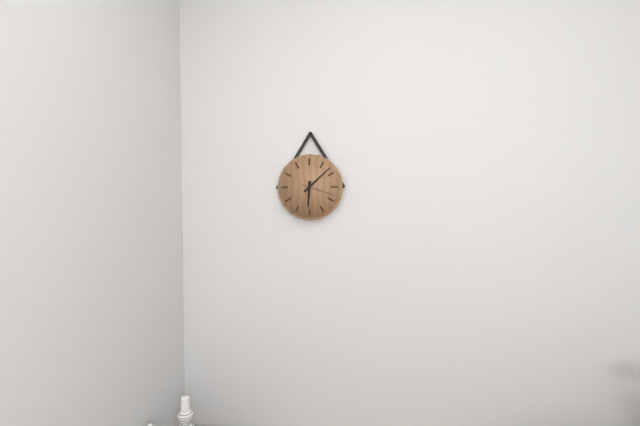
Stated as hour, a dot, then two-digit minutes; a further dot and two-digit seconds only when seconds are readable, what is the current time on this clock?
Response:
6.08
